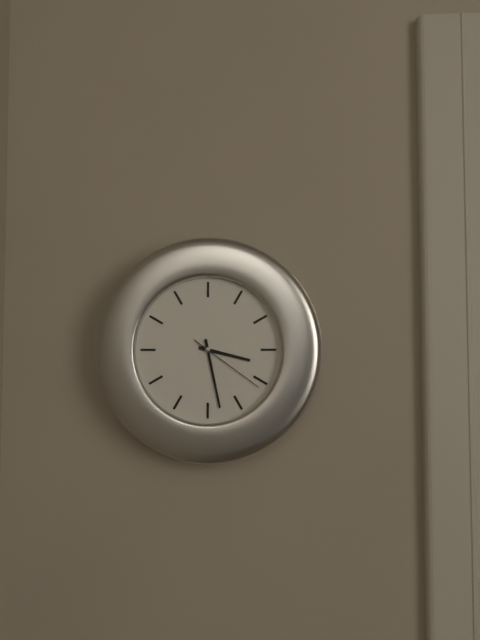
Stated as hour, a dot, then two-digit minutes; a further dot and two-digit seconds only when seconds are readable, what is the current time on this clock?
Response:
3.28.21
